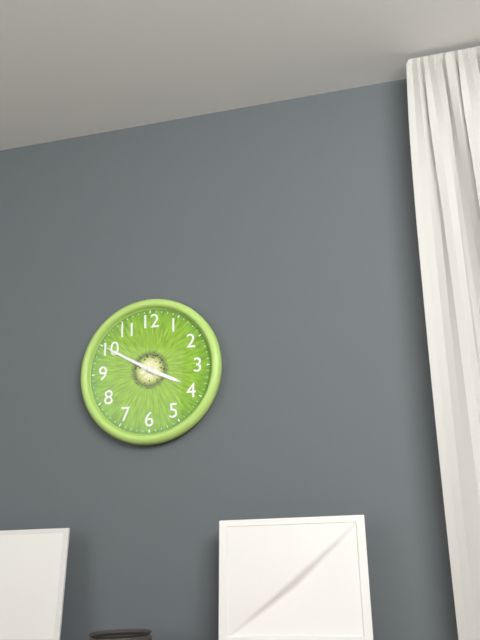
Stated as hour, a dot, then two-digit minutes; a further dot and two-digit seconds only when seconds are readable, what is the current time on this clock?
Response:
3.50
